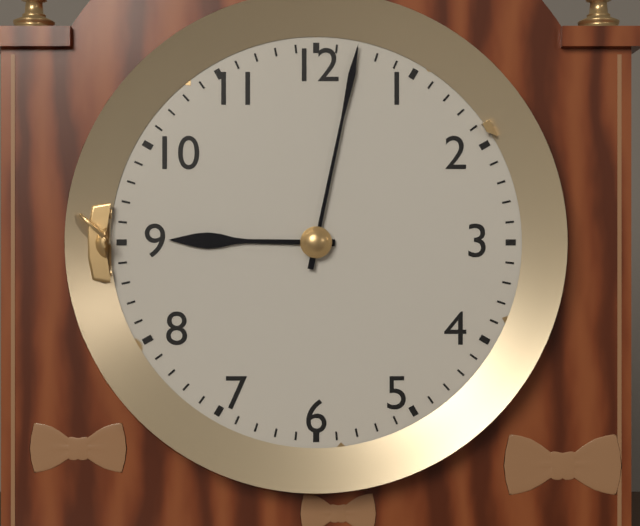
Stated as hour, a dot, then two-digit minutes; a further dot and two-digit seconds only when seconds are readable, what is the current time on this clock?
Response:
9.02
